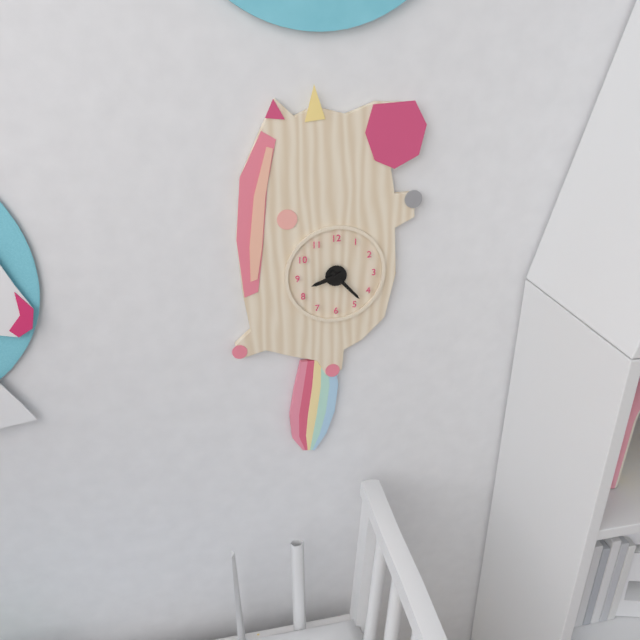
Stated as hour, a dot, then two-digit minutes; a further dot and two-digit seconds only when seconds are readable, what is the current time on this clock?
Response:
8.23
